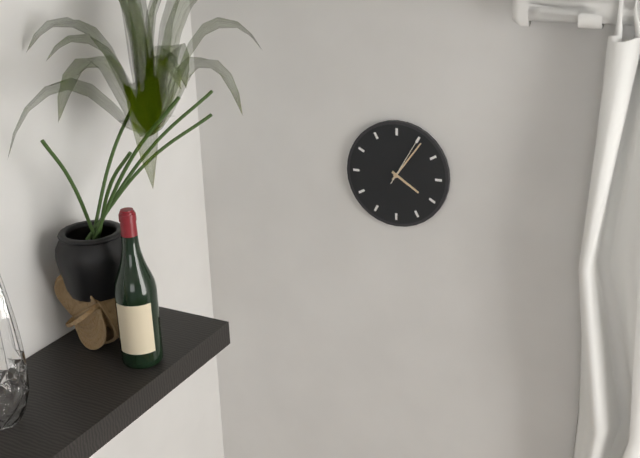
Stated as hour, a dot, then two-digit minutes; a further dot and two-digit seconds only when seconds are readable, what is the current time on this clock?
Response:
4.06.05
